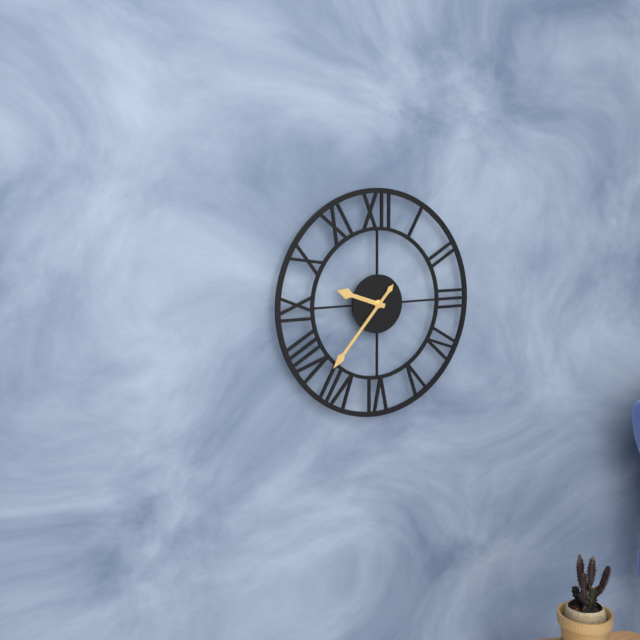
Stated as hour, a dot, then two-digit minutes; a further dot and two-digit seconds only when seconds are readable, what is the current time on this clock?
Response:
9.37
